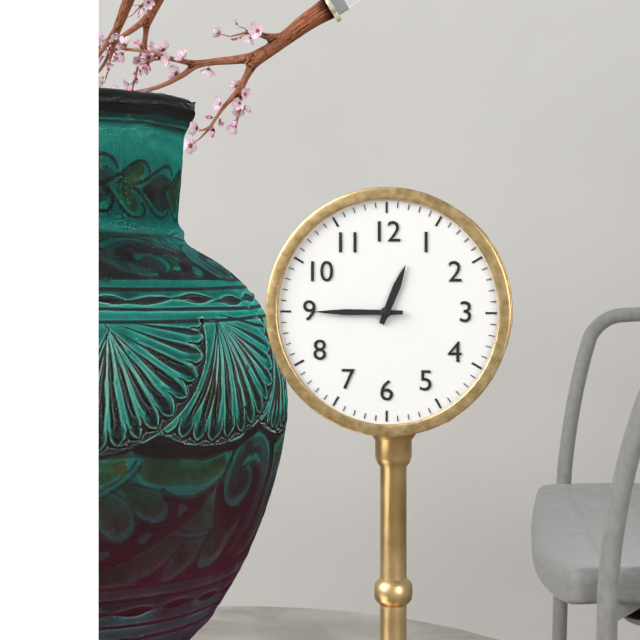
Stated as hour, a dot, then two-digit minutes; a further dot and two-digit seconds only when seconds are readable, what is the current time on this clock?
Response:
12.45
